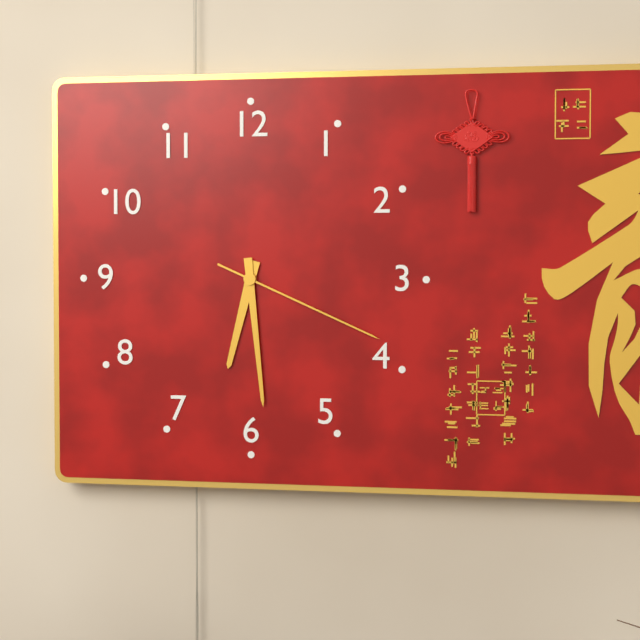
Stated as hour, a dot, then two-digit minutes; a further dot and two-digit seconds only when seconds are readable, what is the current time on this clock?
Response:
6.29.19
